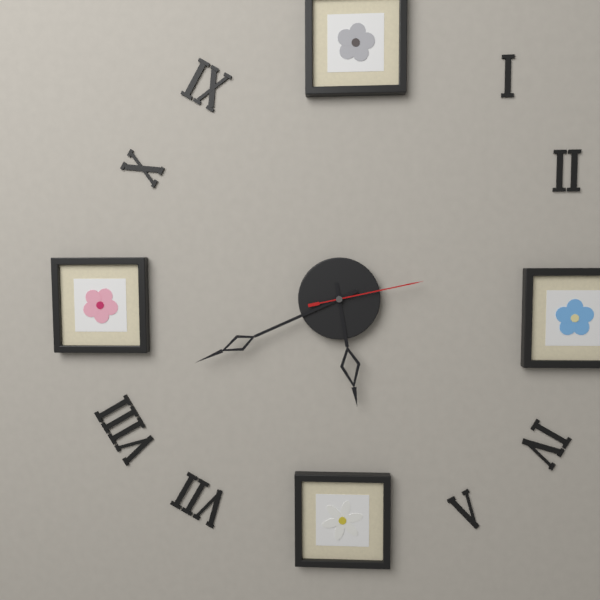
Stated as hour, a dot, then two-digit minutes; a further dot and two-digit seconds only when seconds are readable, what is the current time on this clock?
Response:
5.41.13
